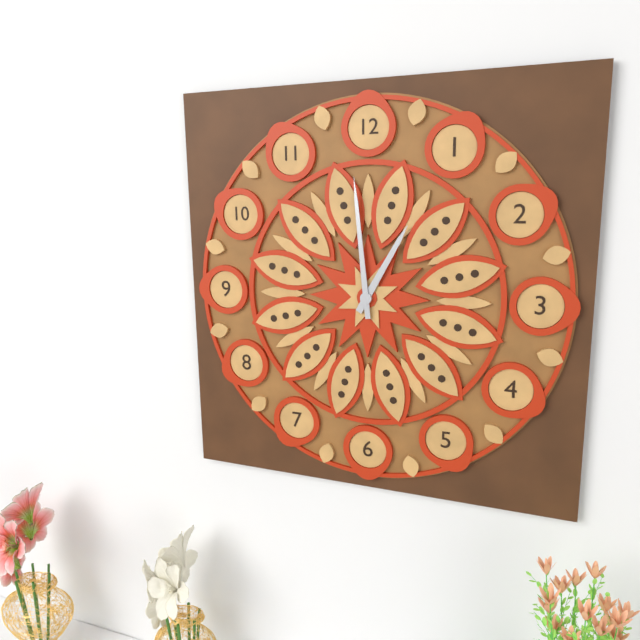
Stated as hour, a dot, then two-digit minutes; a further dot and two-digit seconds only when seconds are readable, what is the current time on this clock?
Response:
12.59
